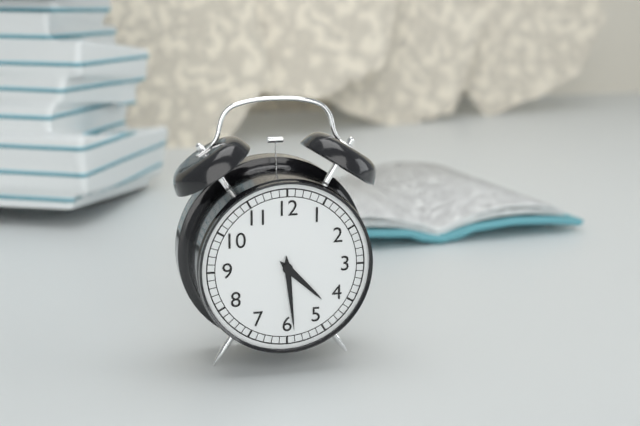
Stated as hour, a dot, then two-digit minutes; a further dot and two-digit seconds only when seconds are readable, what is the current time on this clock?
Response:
4.29
